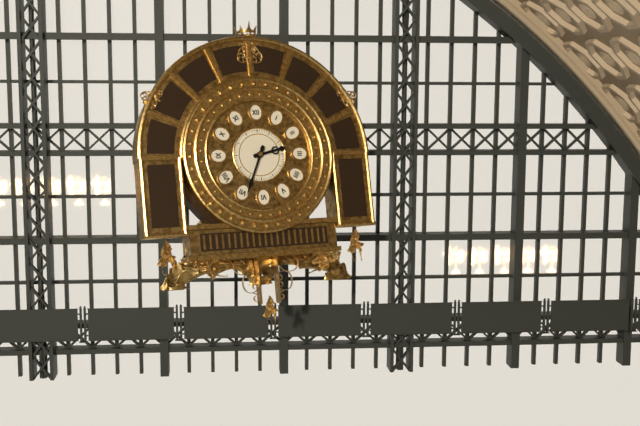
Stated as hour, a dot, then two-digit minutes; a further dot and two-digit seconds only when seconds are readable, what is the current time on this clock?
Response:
2.34
